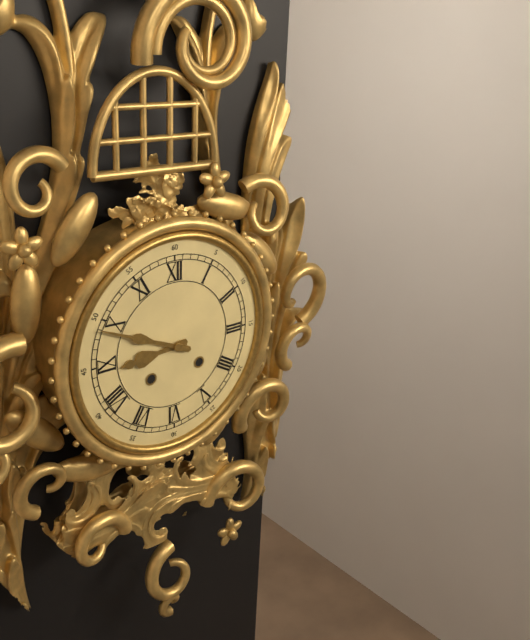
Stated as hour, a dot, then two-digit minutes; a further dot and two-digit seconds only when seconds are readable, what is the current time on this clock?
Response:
8.49
